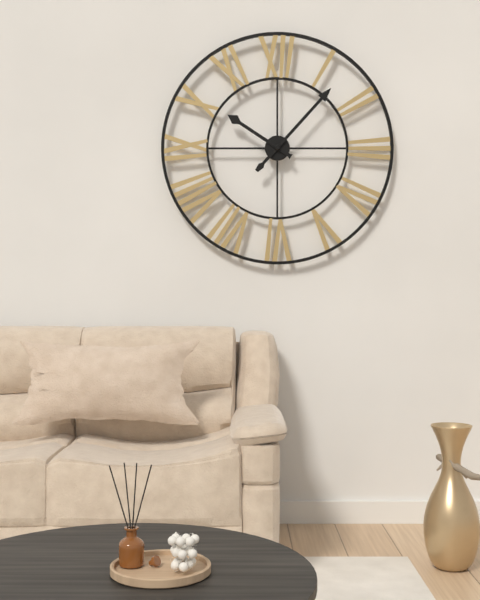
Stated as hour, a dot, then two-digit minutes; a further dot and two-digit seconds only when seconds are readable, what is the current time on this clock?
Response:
10.07
